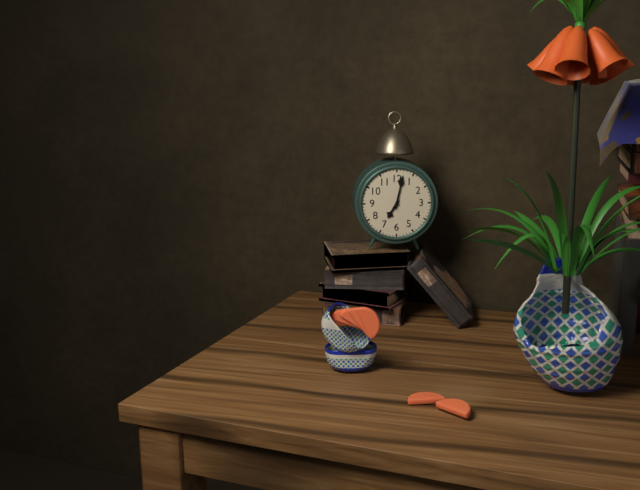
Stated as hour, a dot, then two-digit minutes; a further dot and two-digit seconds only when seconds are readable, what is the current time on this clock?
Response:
7.02
